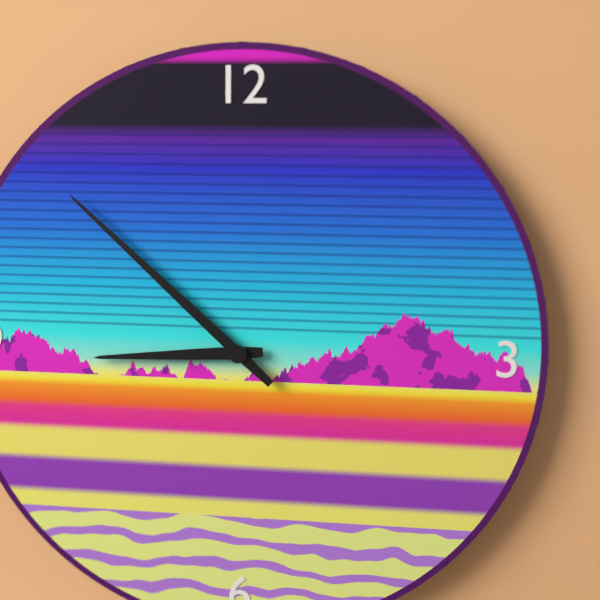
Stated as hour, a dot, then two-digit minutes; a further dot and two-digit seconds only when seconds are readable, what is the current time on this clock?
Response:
8.52
